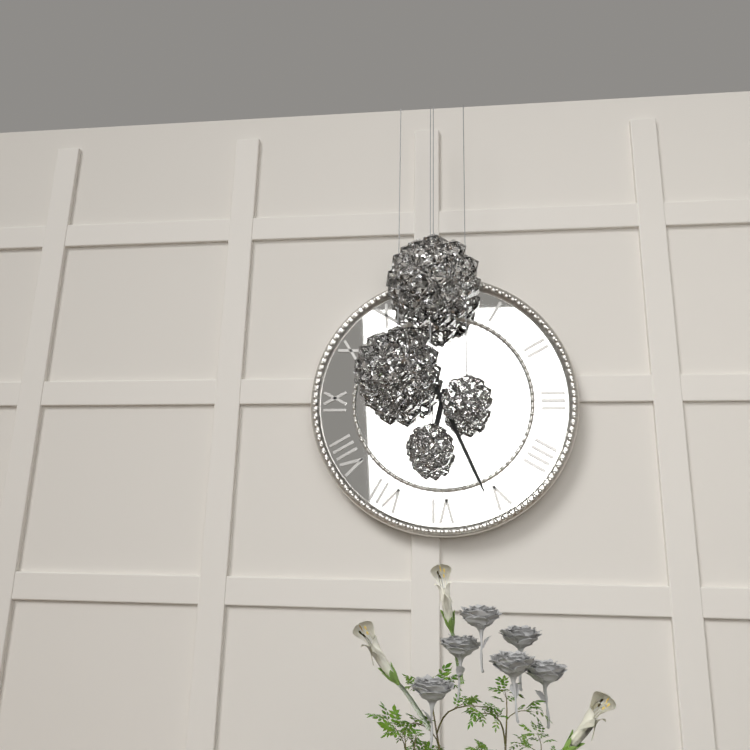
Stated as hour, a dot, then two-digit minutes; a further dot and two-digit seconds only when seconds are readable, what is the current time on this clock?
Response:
6.26
